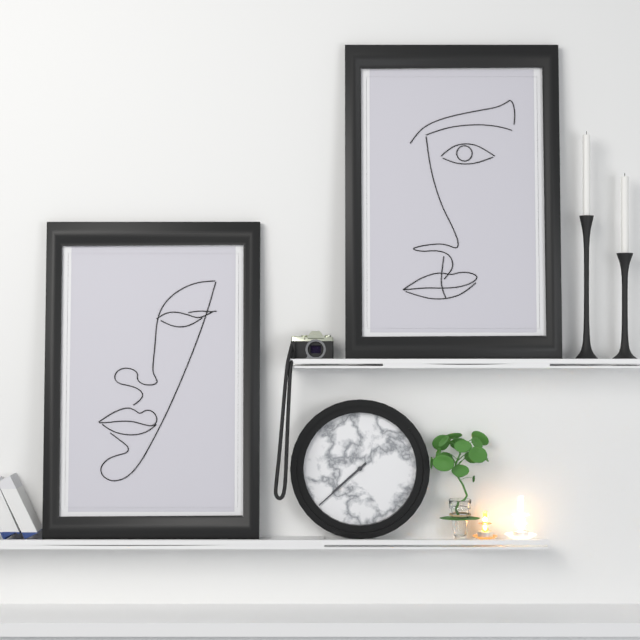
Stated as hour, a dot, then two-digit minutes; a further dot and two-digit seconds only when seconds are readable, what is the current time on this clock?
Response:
7.38
